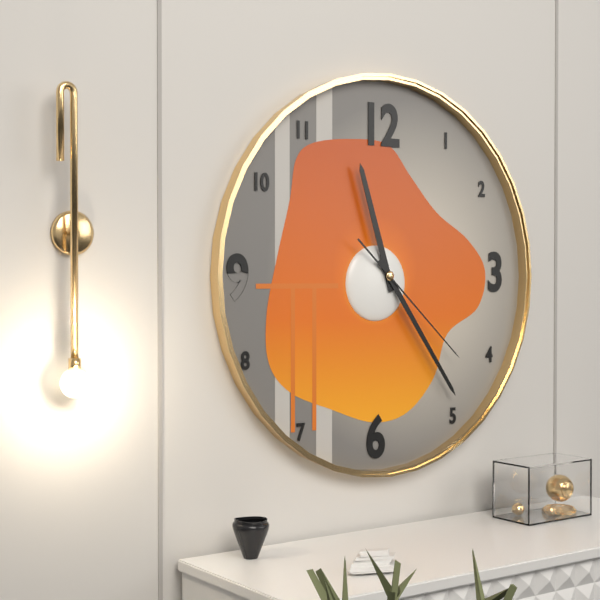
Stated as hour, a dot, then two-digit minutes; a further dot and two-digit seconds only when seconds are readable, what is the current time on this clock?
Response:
11.24.22
